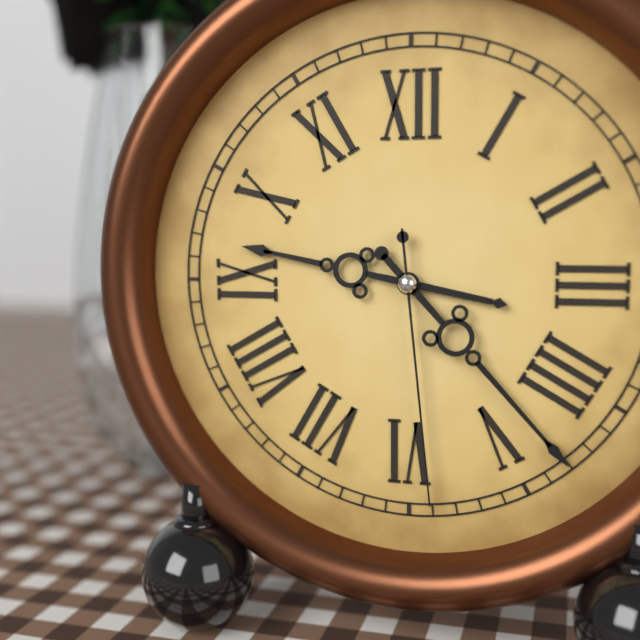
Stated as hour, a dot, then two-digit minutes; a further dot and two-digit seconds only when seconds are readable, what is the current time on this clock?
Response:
9.23.29
